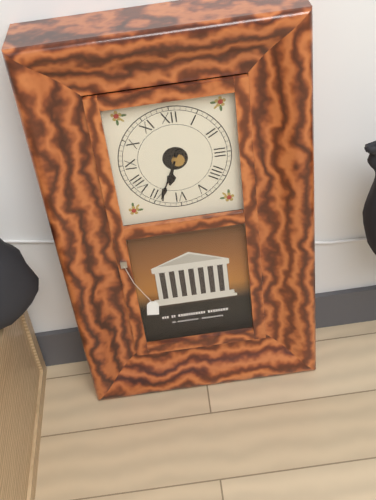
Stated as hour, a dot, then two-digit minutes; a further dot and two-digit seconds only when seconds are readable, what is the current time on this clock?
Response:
6.34
